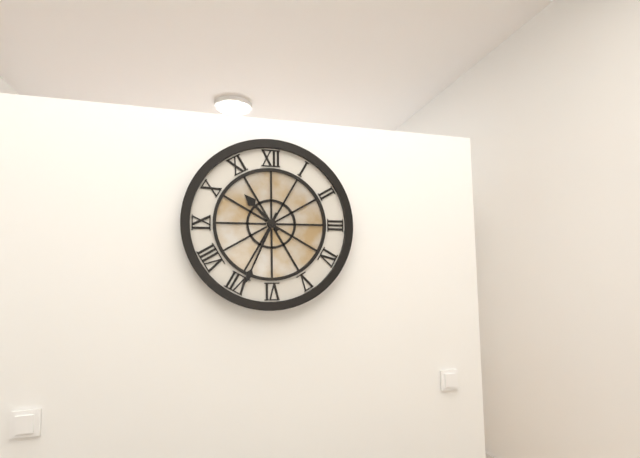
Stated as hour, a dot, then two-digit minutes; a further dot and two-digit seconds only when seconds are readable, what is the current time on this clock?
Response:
10.34
